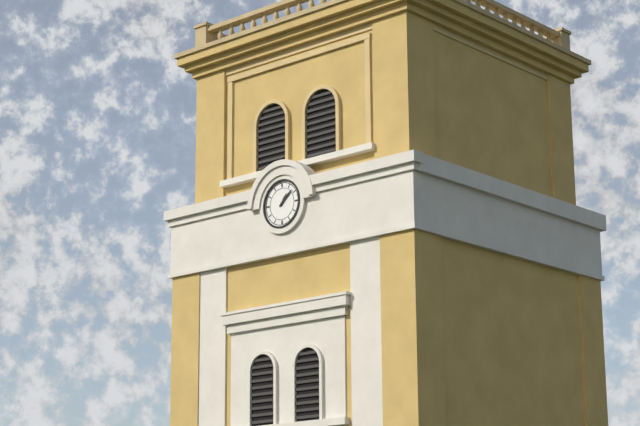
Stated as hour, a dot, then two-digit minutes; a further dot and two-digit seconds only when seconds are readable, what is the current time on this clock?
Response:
1.08
